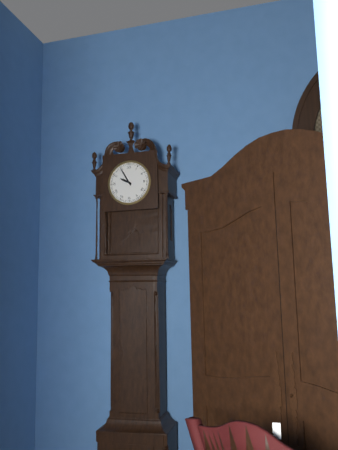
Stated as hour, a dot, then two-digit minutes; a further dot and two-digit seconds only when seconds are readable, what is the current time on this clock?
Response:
9.55
